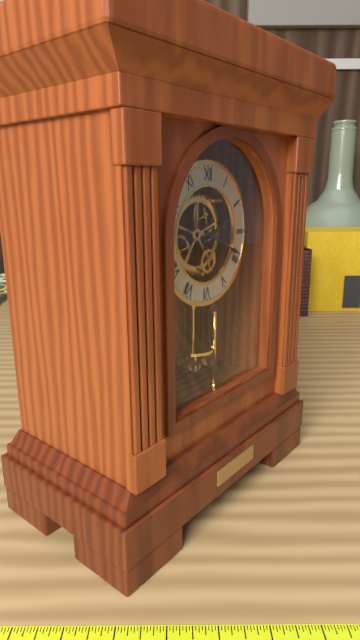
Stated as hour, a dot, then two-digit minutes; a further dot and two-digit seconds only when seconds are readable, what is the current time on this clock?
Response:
2.19
